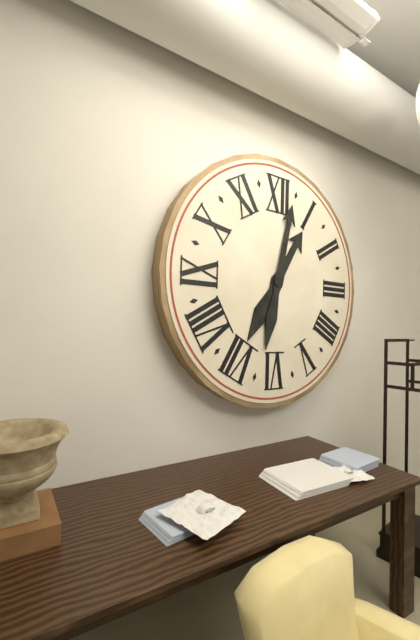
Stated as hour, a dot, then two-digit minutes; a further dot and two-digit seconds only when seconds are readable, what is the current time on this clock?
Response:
1.02
